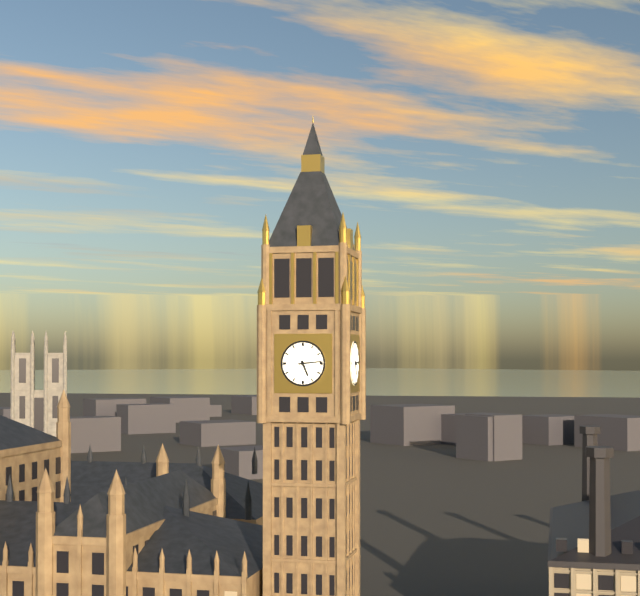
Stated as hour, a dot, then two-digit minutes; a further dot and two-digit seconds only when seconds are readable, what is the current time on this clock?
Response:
5.14
